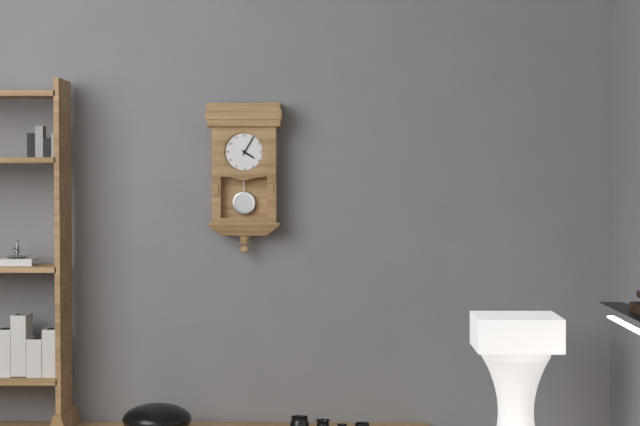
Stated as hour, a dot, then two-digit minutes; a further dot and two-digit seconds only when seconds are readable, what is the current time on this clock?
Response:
4.05
